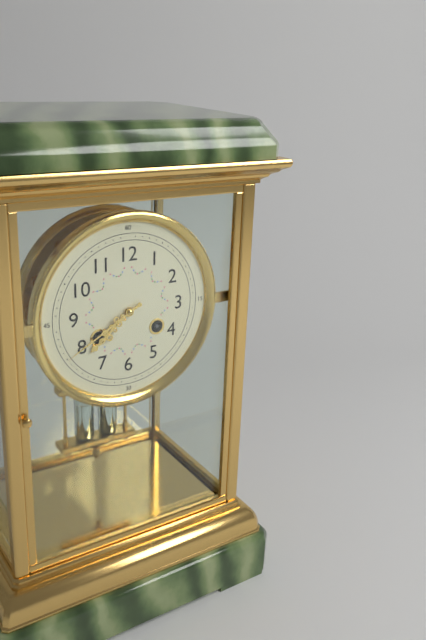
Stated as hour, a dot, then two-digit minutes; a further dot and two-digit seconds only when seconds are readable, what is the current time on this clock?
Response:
7.40
